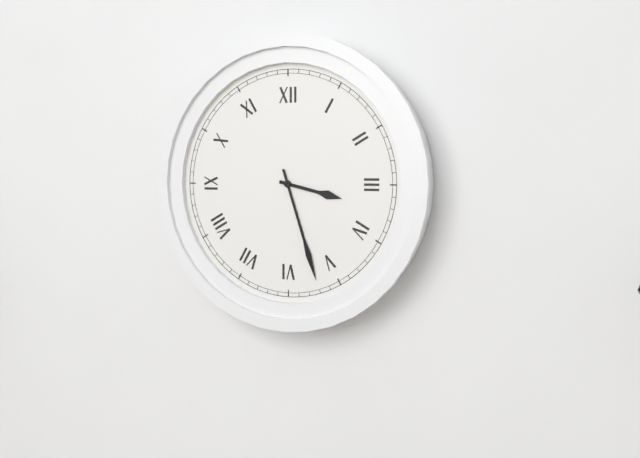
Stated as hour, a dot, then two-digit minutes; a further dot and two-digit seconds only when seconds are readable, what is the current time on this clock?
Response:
3.27
